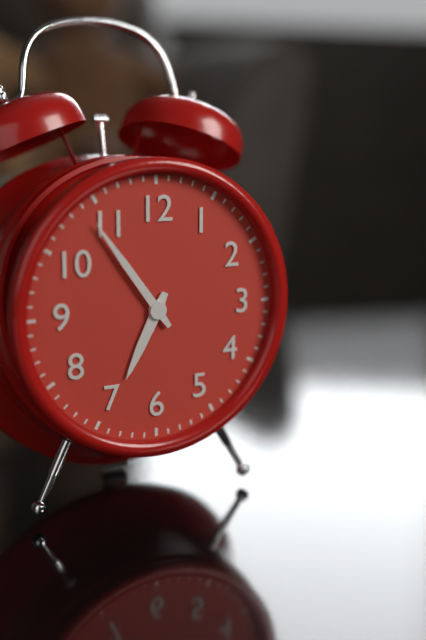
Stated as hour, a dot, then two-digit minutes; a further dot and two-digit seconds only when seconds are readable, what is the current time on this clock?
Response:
6.54
